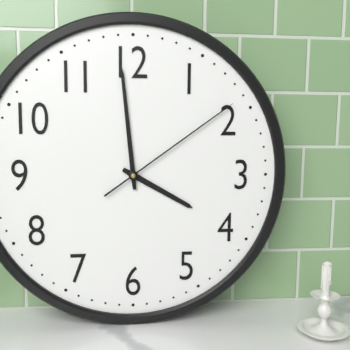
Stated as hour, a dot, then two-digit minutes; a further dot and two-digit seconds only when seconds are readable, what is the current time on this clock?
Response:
3.59.09
